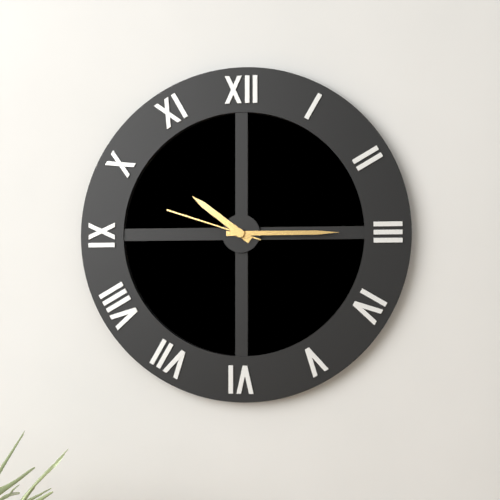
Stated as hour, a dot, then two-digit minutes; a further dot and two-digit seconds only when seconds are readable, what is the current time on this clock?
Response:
10.15.48
